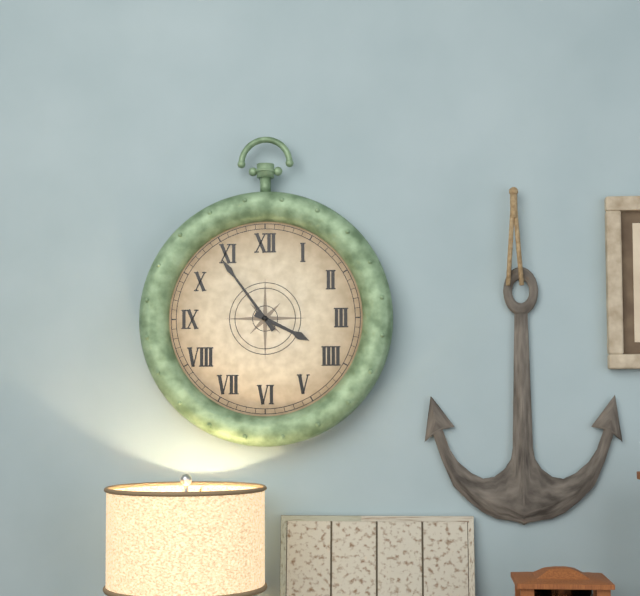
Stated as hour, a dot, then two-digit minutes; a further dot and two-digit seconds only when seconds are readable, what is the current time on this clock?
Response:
3.54
